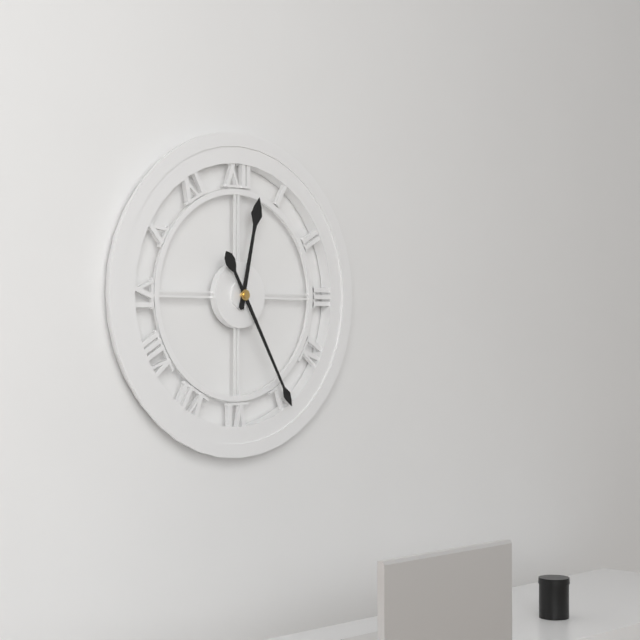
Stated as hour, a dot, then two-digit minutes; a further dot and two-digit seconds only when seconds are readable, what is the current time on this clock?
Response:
12.25
